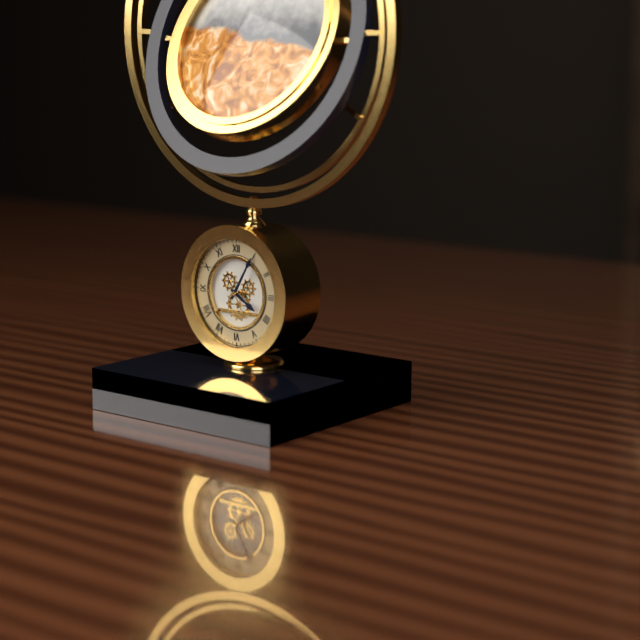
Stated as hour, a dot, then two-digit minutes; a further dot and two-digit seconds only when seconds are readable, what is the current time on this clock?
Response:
4.05
